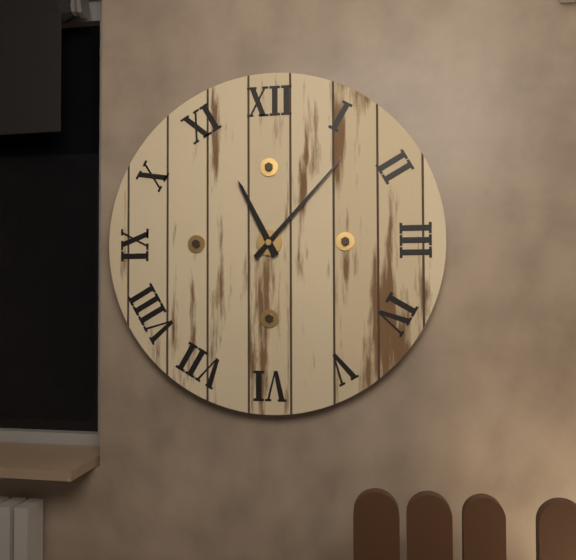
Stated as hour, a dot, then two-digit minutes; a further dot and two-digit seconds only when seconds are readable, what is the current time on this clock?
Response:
11.07
